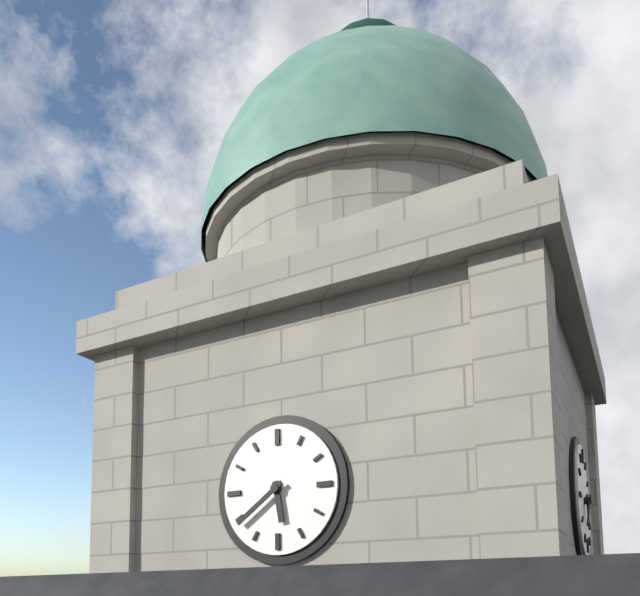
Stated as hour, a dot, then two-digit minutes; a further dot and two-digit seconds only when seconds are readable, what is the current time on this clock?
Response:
5.39
